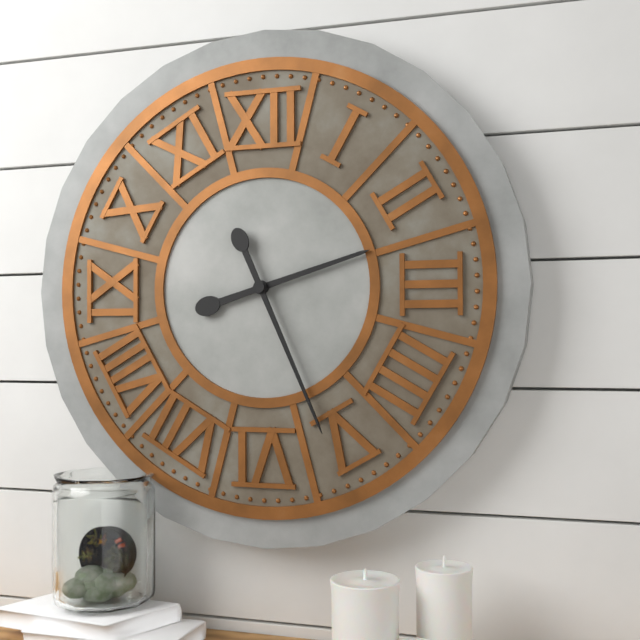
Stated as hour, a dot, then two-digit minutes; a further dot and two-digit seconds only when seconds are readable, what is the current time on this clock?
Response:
2.26
